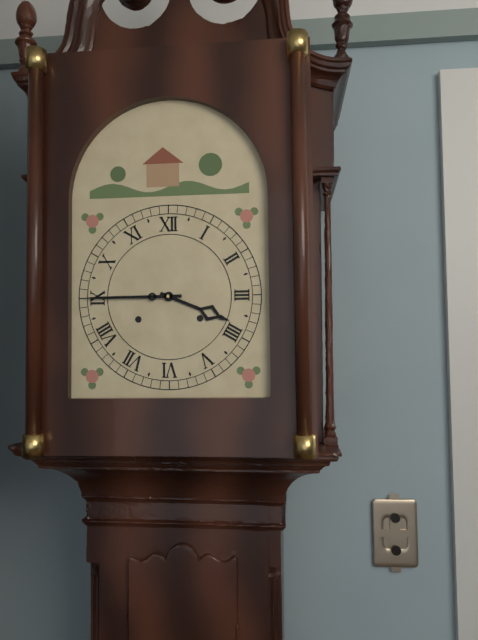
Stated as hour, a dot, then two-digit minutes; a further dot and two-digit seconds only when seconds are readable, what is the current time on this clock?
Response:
3.45
